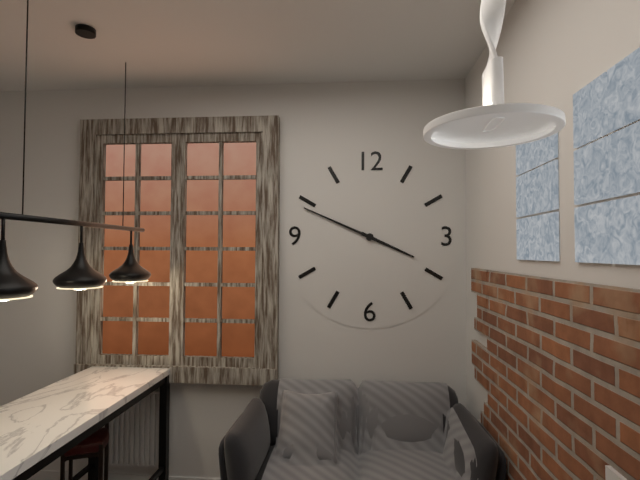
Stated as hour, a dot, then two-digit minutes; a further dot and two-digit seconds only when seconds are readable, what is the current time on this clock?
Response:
3.49
